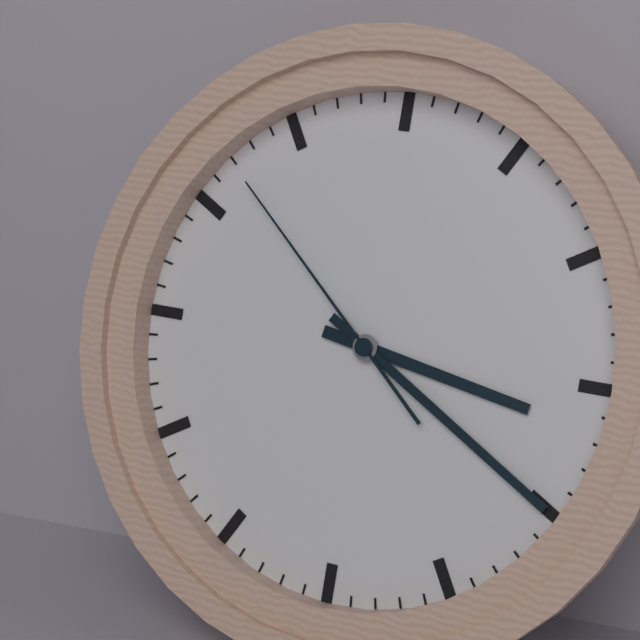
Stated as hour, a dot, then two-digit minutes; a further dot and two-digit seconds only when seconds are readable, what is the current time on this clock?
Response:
3.20.52
